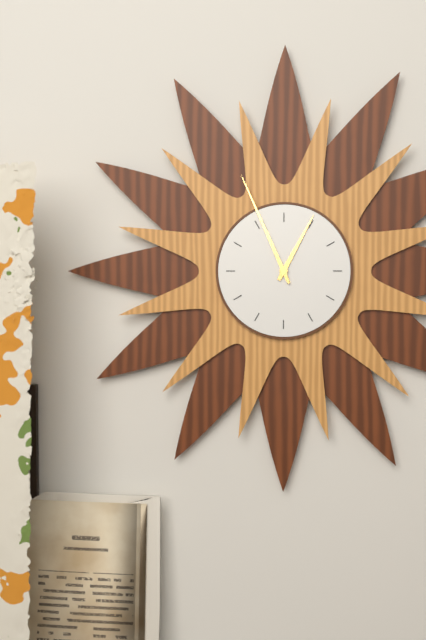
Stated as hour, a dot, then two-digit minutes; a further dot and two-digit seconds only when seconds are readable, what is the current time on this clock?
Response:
12.56
